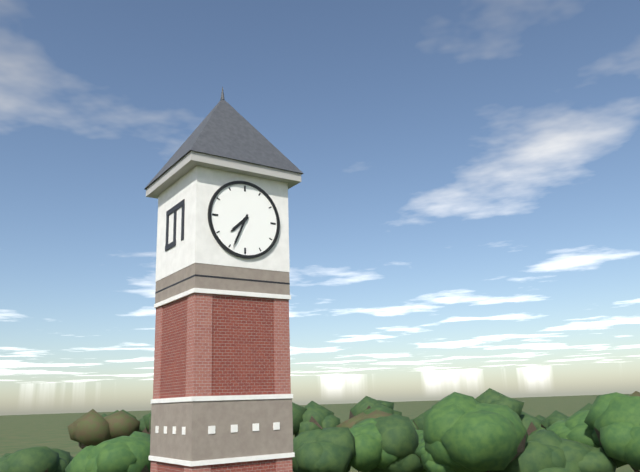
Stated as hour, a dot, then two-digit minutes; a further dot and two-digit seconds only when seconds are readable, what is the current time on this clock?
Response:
7.34
